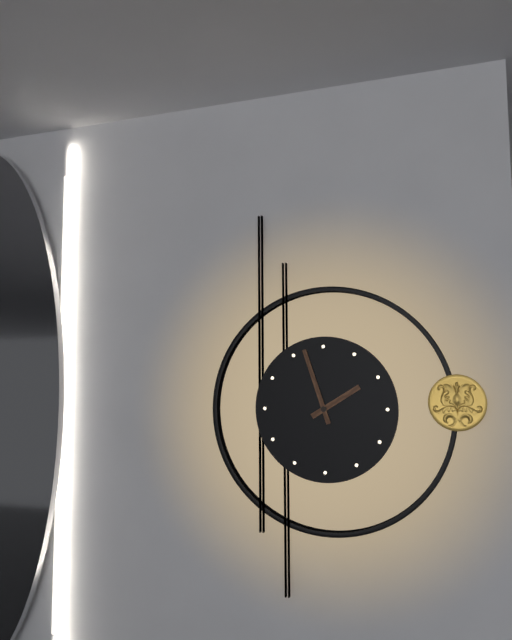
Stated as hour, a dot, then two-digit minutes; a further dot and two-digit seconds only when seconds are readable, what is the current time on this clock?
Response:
1.57
